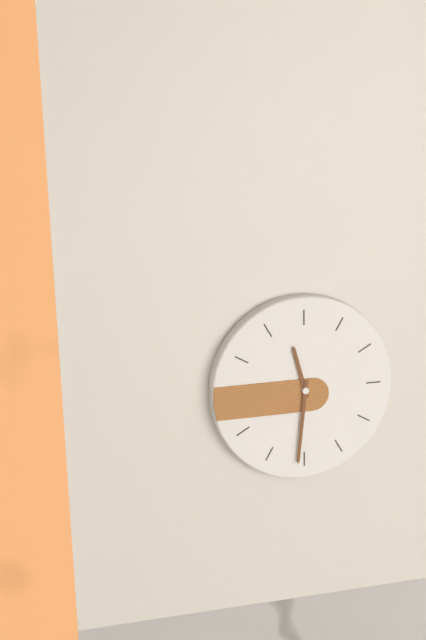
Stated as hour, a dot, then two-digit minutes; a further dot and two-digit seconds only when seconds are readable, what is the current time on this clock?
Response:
11.31
